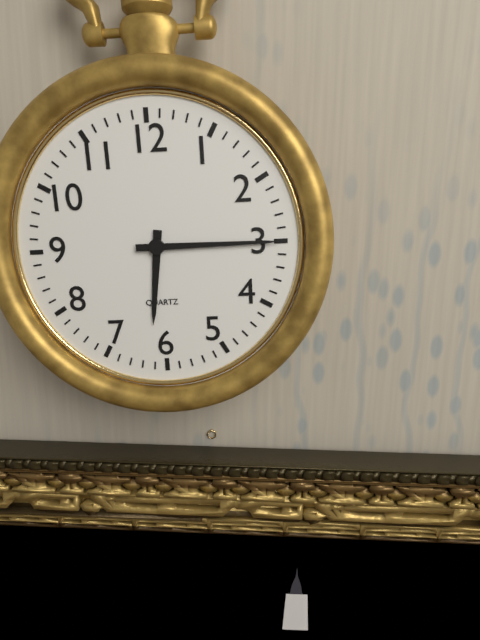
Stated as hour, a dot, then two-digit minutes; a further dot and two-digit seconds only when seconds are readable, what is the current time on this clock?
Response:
6.15
